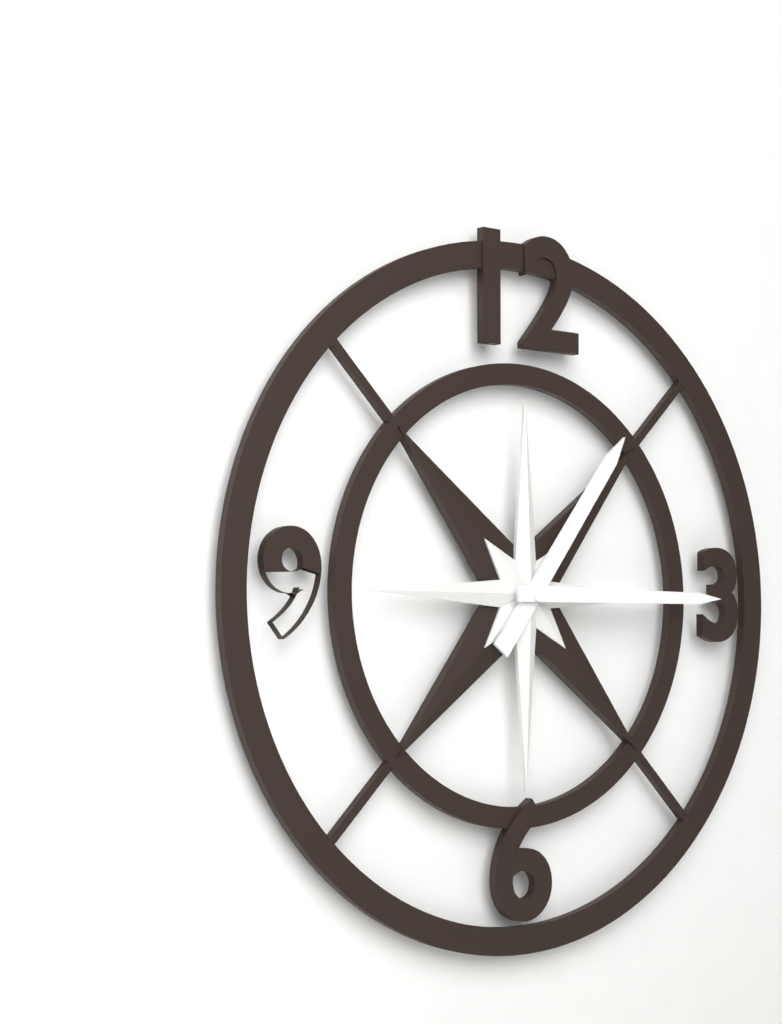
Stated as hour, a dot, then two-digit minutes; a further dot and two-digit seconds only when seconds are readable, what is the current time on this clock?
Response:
1.15
